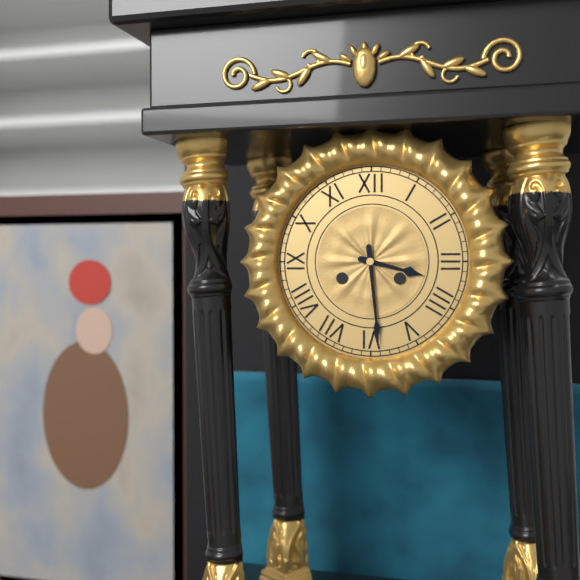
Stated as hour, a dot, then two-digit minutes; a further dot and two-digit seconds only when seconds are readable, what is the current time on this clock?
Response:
3.29
